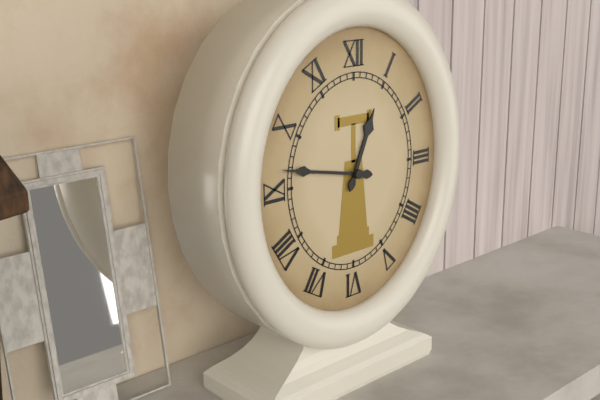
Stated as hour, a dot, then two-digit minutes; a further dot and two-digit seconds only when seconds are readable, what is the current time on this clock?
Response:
12.47
